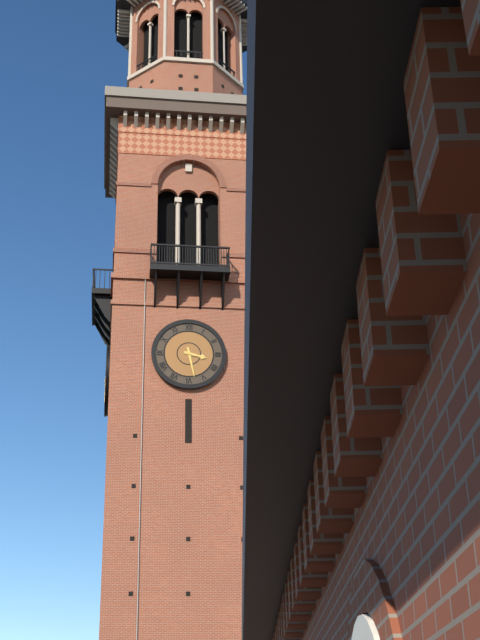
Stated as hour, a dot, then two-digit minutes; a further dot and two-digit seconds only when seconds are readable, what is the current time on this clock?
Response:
3.28
